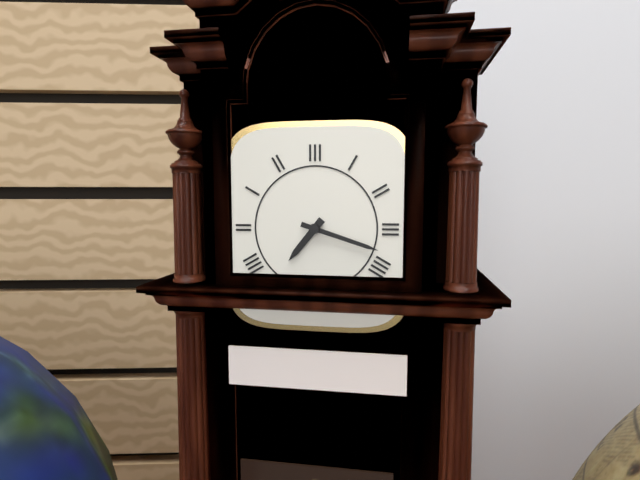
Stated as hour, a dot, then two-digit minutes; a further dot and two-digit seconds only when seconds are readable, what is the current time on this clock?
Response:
7.18
